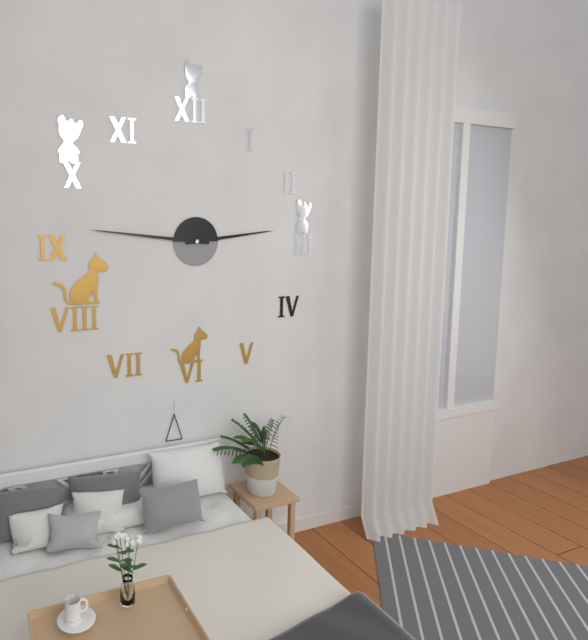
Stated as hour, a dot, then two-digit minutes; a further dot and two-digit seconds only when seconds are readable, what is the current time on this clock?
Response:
2.46
